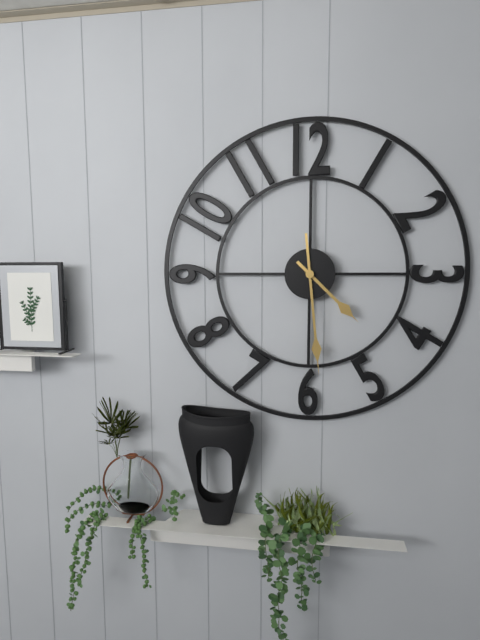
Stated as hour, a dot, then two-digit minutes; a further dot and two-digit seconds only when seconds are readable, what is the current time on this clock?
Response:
4.29
